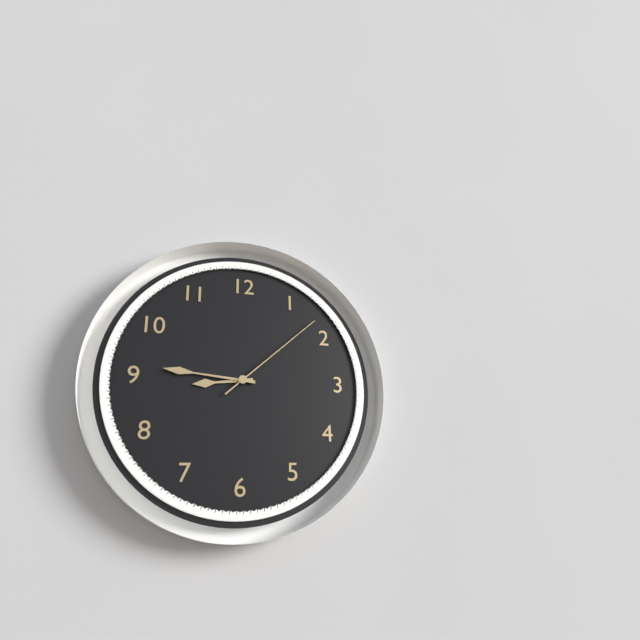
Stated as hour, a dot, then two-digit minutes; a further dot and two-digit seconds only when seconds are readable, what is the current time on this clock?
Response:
8.46.08
